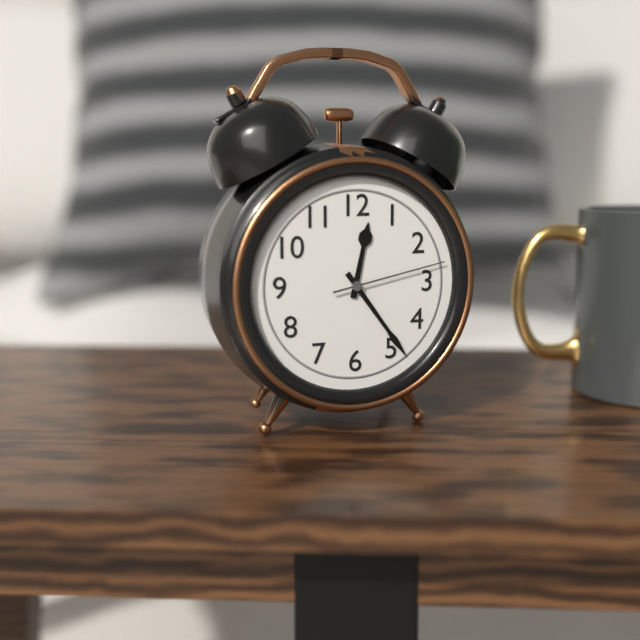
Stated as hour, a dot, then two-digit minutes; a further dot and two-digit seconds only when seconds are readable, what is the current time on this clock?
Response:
12.24.13
